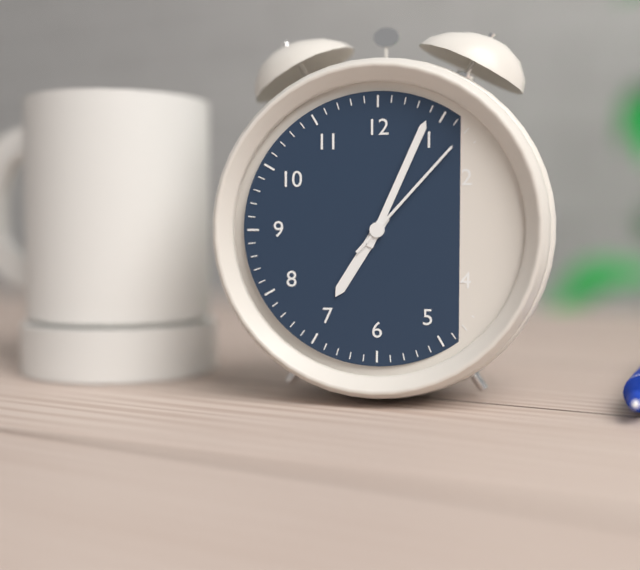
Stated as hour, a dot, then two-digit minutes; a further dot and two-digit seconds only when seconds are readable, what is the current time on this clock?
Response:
7.04.07
